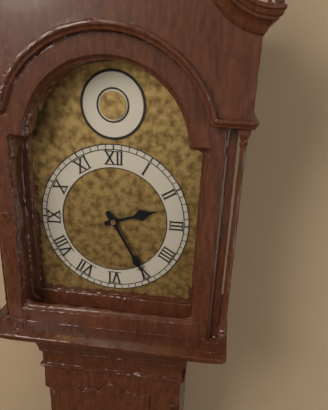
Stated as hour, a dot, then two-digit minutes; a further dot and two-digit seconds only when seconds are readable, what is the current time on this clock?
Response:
2.25
